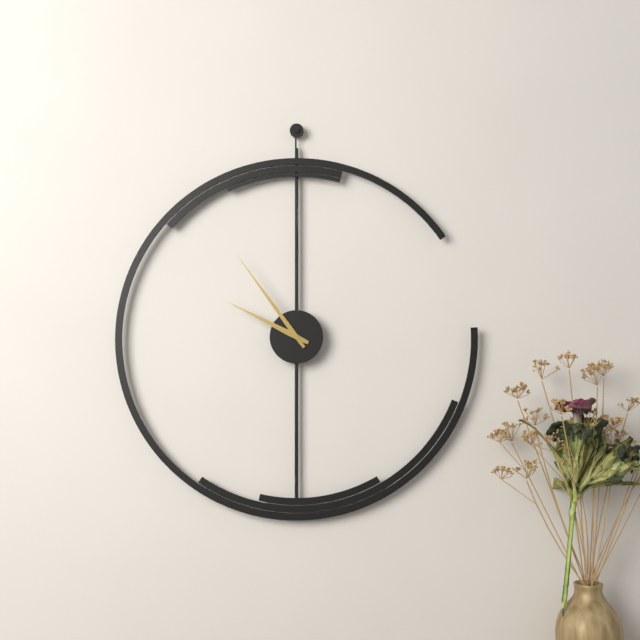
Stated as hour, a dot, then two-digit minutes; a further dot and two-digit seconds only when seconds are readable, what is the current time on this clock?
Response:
9.54
